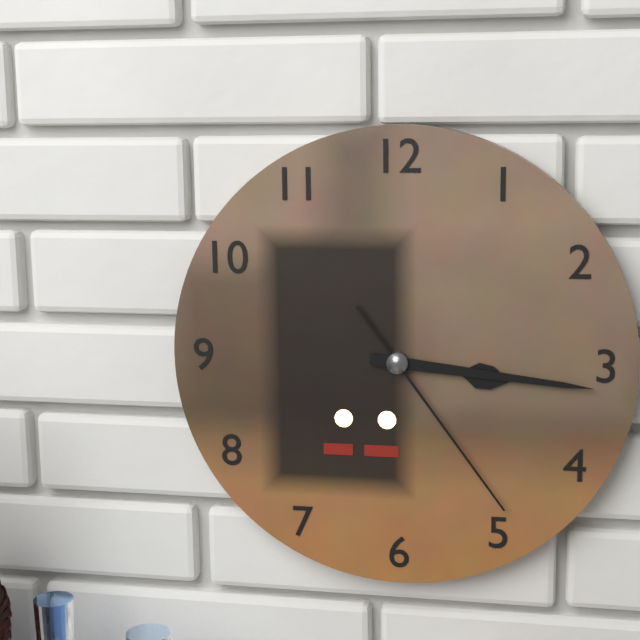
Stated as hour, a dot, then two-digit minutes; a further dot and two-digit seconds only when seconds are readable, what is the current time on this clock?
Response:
3.16.24
